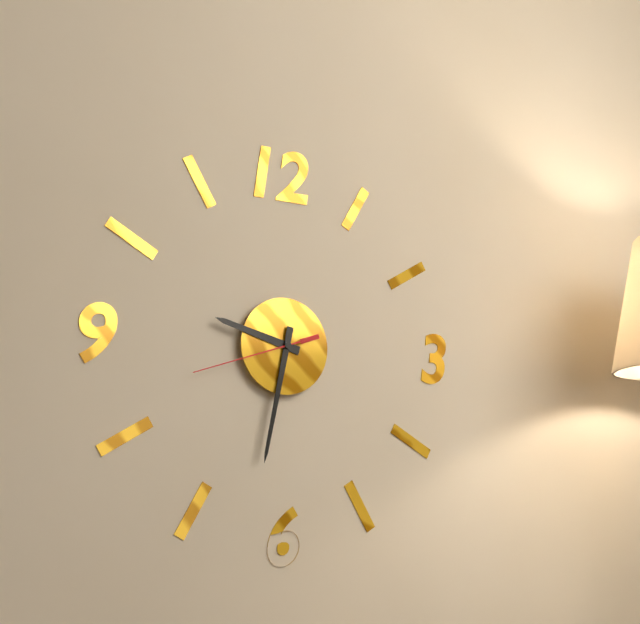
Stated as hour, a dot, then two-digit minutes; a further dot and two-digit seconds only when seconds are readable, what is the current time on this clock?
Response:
9.32.42
